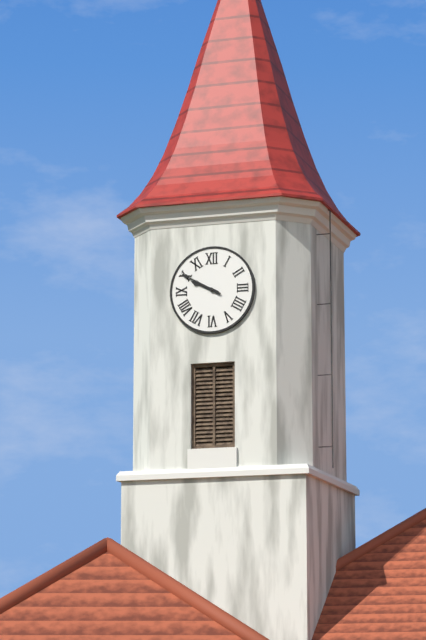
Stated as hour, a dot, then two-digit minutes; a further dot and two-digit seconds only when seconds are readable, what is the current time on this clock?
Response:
9.50
